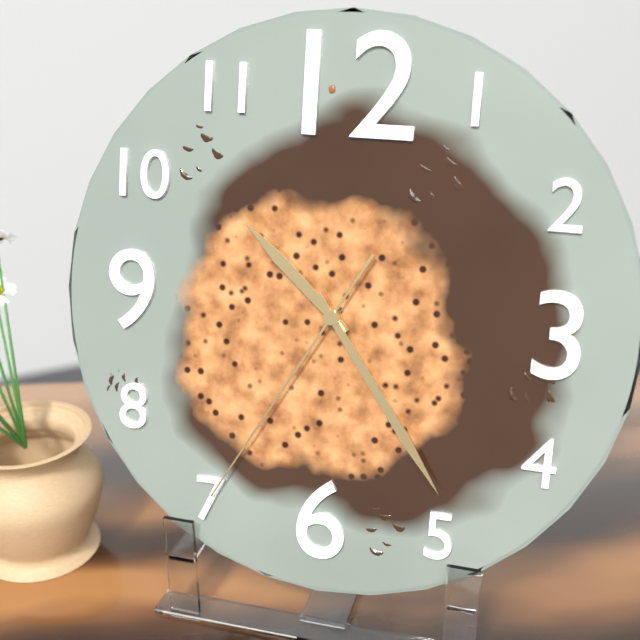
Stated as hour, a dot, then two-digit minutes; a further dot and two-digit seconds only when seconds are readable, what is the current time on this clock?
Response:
10.24.35
